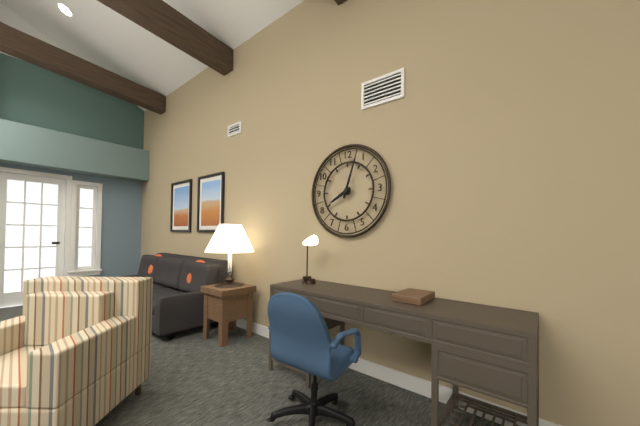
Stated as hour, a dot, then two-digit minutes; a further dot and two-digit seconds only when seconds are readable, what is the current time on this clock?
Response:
8.03
